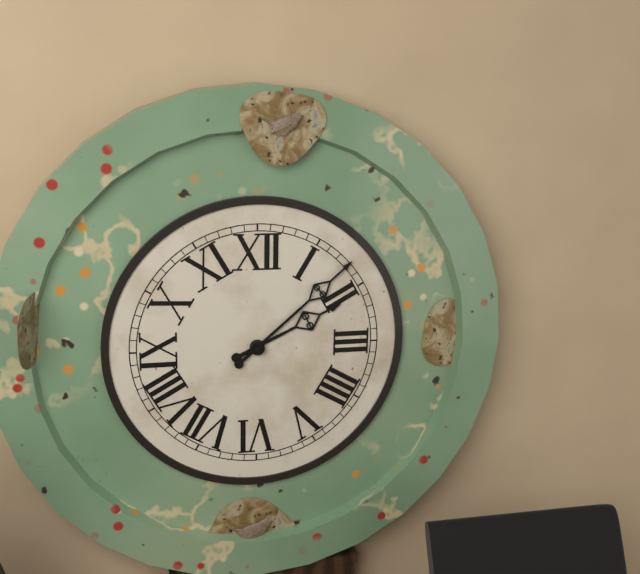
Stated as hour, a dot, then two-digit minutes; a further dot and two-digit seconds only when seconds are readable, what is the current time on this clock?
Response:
2.08
